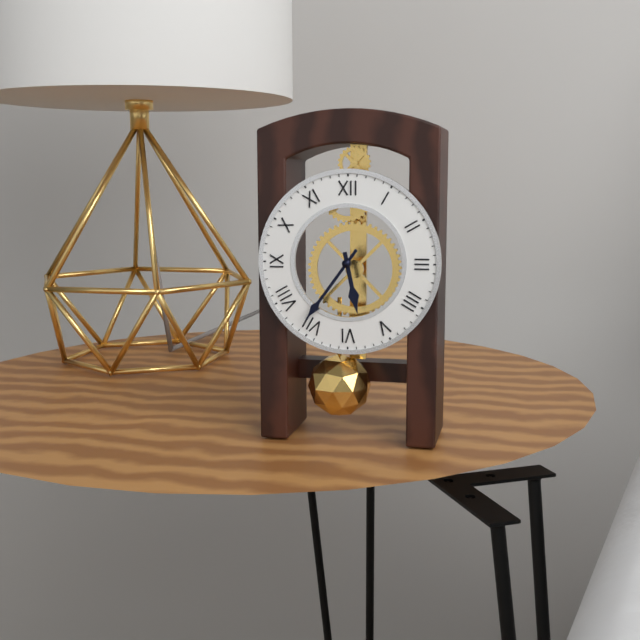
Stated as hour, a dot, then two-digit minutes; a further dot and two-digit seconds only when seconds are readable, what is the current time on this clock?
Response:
5.36
